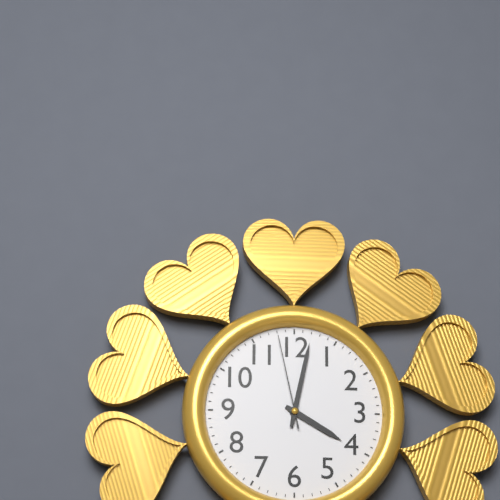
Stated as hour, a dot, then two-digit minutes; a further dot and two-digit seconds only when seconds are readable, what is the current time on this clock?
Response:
4.02.58
